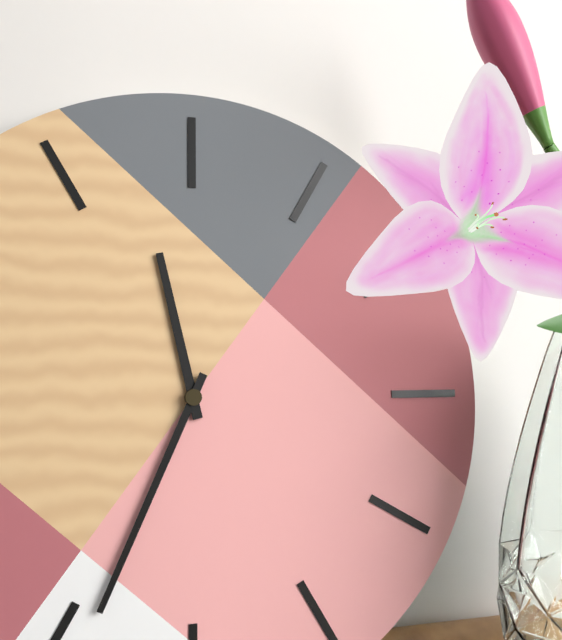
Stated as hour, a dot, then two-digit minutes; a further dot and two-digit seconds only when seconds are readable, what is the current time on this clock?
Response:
11.34
